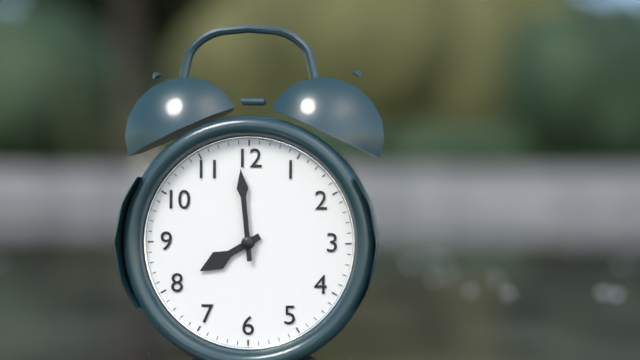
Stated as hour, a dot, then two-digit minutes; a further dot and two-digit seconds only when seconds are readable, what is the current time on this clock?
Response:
7.59
